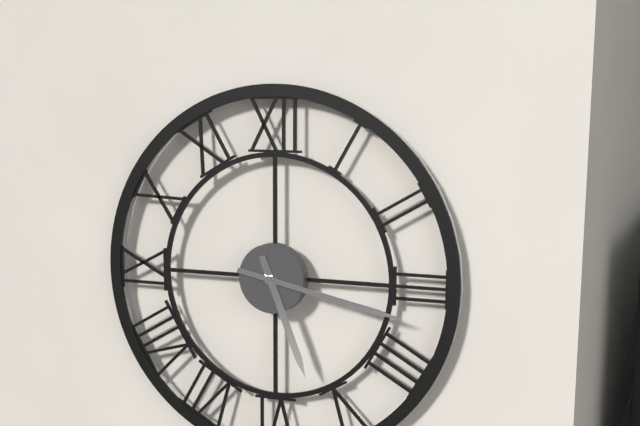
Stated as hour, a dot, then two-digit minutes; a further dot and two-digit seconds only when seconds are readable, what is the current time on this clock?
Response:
5.17
